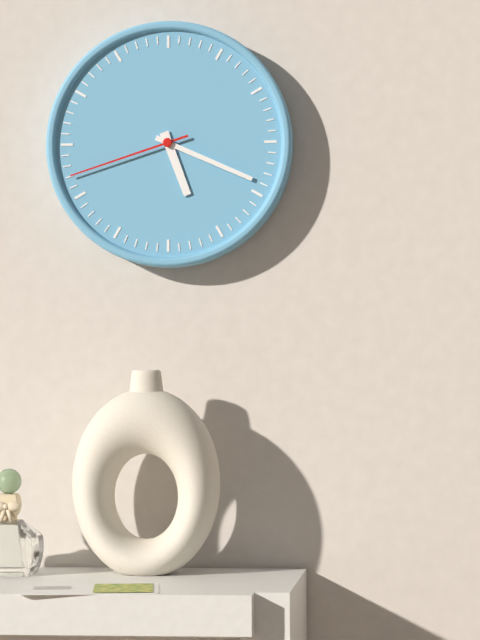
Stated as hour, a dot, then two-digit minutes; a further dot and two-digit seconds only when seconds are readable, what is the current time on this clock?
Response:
5.19.42
